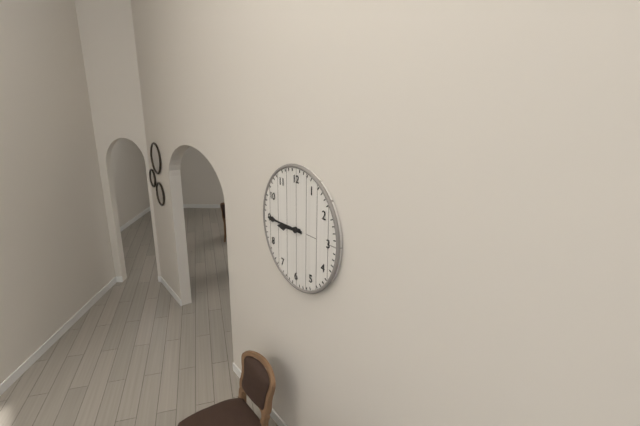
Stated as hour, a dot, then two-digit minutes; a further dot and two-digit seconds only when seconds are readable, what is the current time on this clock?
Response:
8.45
